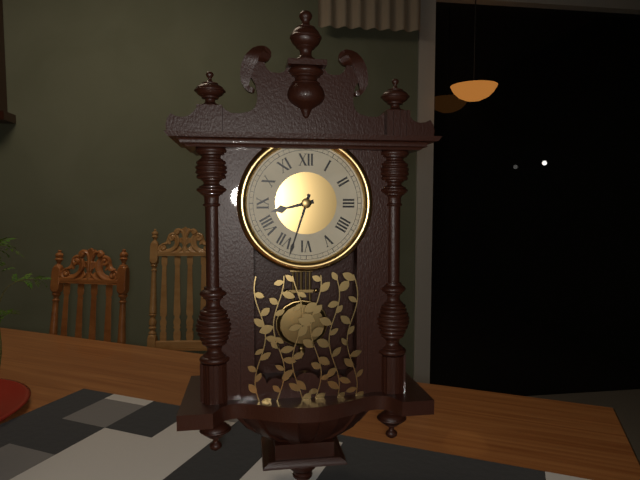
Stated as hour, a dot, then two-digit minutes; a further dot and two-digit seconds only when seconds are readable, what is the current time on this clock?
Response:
8.33
